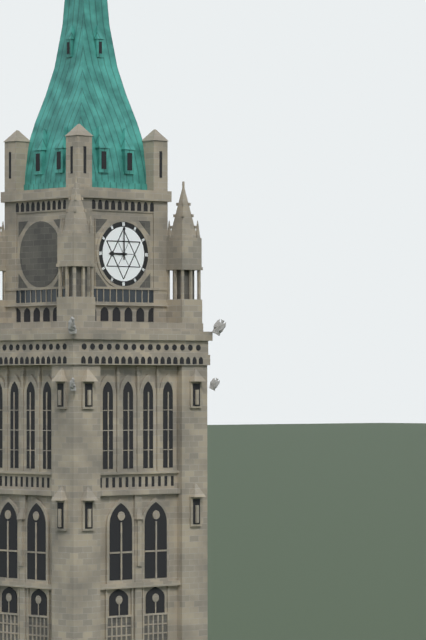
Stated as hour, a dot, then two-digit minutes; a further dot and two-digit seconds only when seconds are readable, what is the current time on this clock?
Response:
9.00
